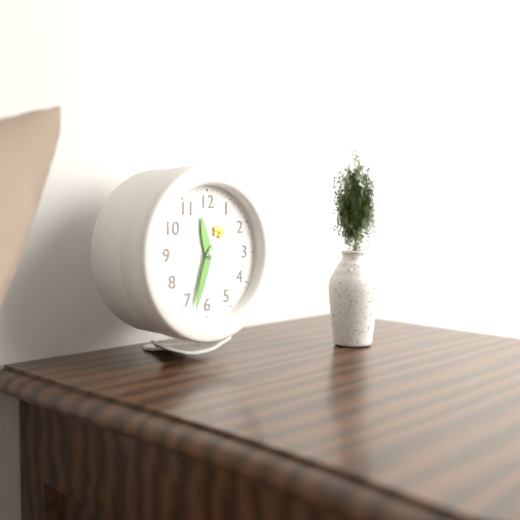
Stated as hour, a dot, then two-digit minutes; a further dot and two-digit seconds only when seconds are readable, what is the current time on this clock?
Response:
11.33
